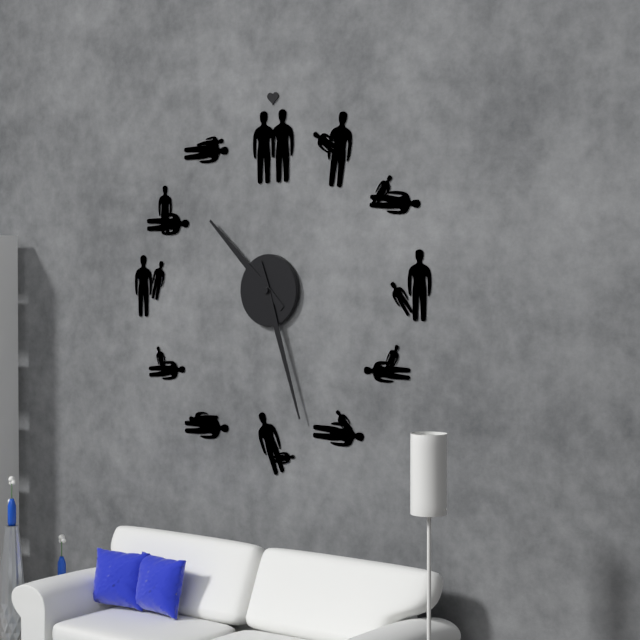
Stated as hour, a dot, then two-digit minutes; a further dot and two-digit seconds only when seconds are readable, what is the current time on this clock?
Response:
10.27
